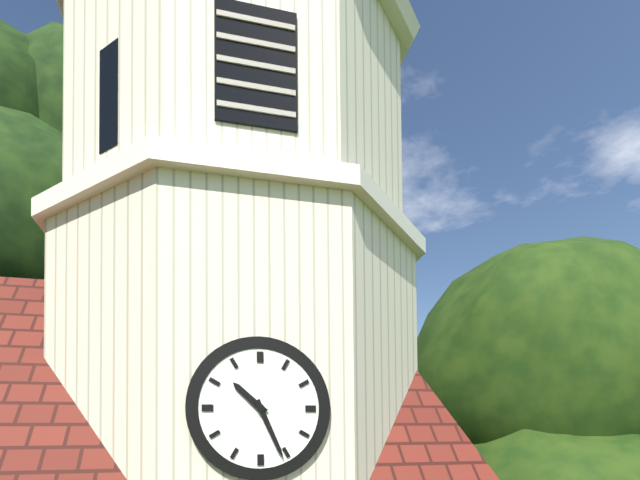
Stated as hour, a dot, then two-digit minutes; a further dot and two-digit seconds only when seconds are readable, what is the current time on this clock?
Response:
10.26
